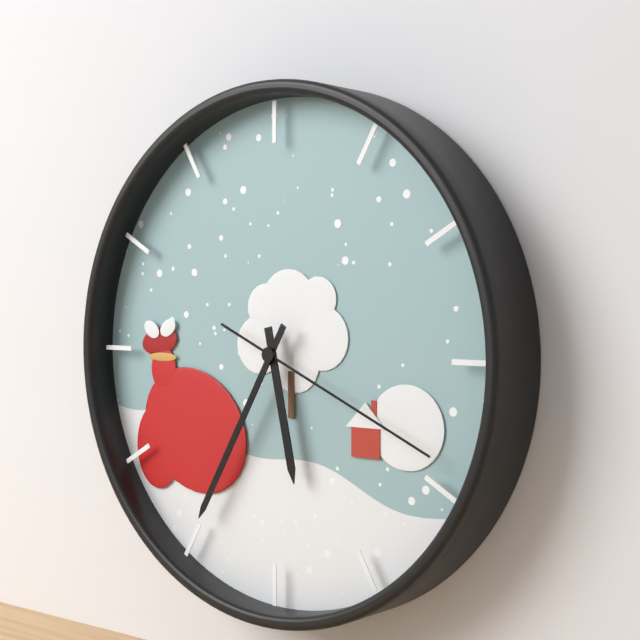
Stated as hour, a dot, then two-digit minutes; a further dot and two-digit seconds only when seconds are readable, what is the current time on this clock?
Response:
5.35.19
